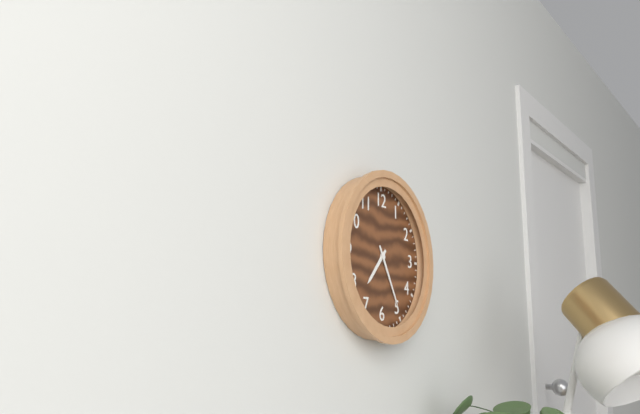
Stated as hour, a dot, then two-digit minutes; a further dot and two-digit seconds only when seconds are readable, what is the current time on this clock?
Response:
7.25
